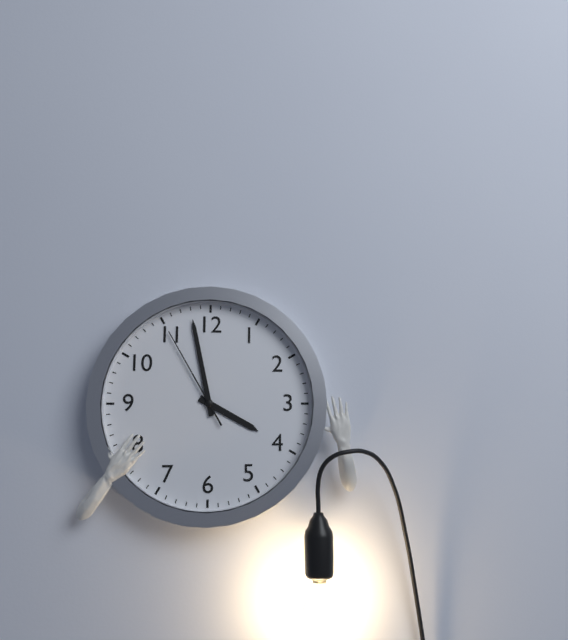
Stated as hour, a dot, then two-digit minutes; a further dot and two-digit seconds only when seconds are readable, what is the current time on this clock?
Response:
3.58.55
